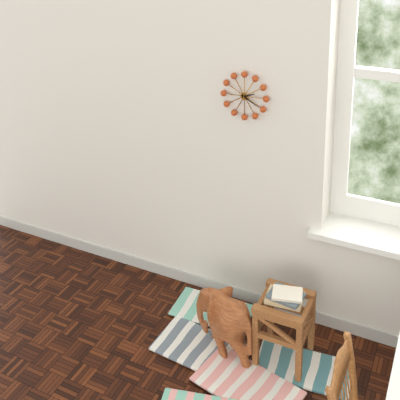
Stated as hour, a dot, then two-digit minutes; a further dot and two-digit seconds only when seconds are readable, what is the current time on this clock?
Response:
2.20
